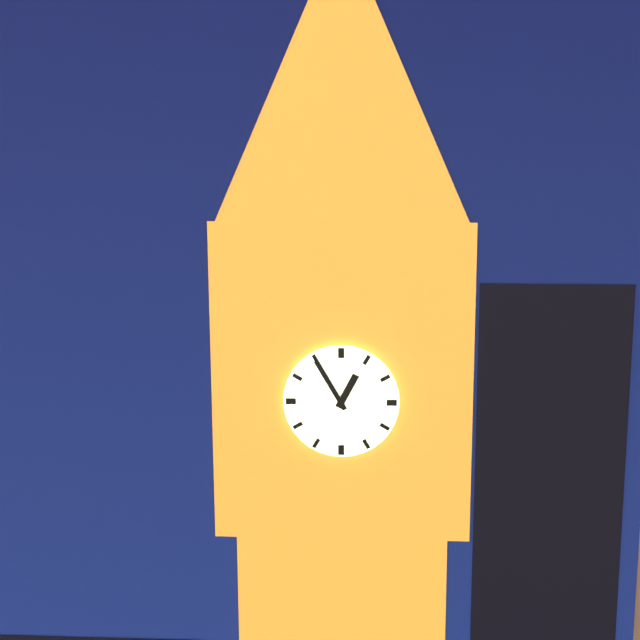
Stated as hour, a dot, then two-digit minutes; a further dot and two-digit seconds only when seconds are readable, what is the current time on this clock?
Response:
12.55
